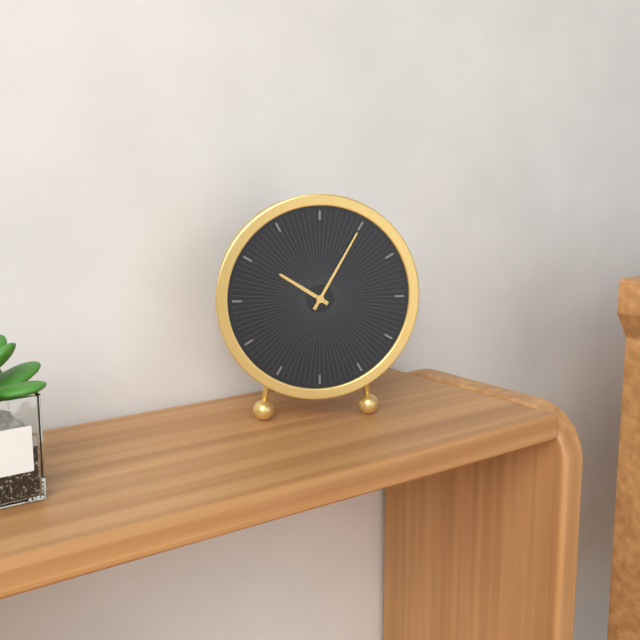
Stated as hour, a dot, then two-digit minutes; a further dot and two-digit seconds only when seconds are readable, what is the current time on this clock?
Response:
10.05
